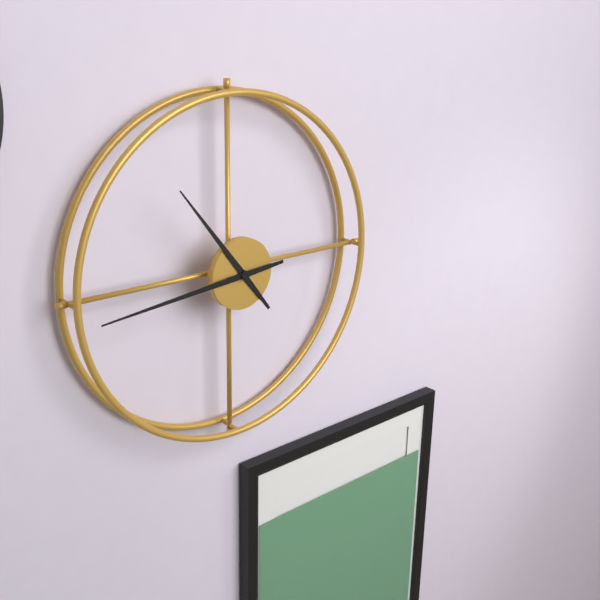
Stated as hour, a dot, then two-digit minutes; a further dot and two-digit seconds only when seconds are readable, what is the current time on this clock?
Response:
10.44
